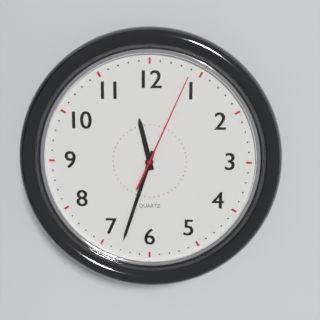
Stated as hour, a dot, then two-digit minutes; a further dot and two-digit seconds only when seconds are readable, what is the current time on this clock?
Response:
11.33.04
